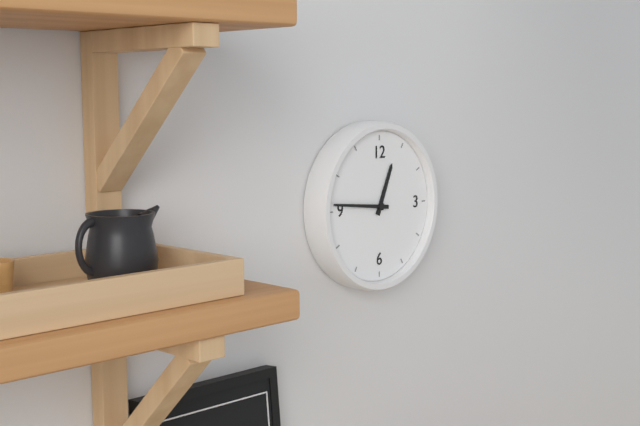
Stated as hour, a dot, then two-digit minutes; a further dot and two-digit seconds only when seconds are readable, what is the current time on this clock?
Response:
12.46
